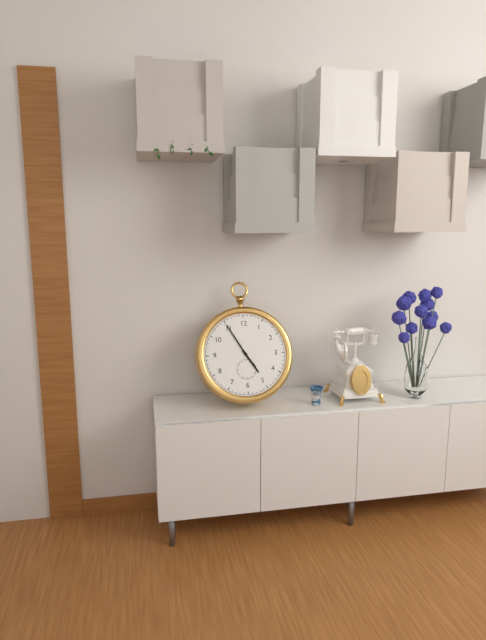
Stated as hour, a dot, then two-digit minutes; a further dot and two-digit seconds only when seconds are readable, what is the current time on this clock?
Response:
4.55
